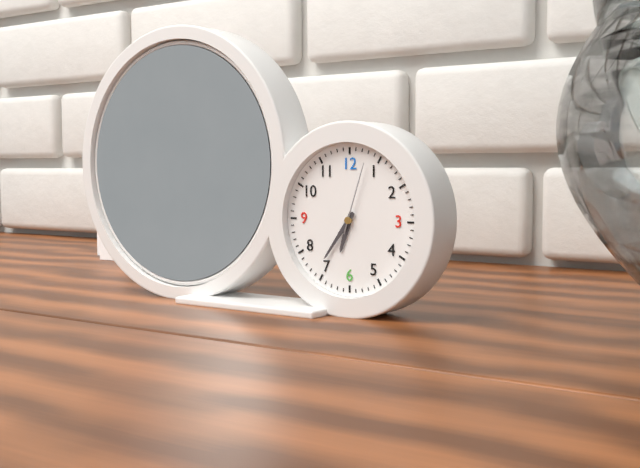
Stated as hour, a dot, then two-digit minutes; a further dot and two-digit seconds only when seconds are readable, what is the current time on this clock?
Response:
6.36.03
